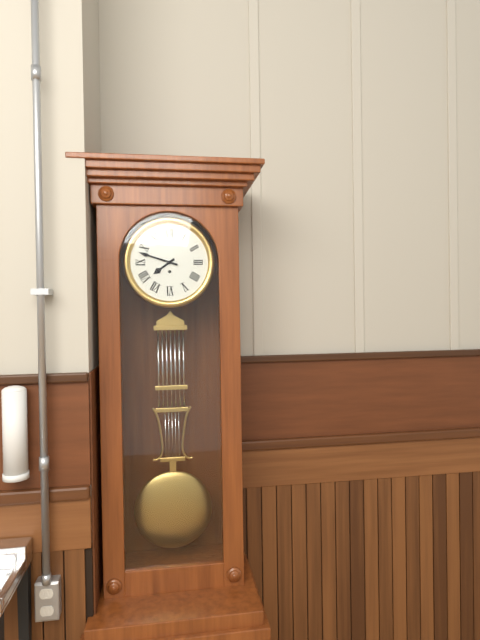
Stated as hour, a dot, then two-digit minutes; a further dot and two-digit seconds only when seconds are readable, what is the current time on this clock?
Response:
7.48
